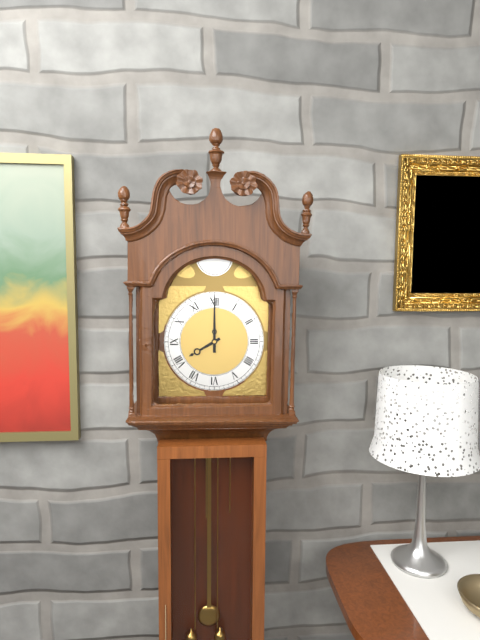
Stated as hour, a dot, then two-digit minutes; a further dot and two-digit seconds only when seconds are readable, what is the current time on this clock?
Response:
8.00
